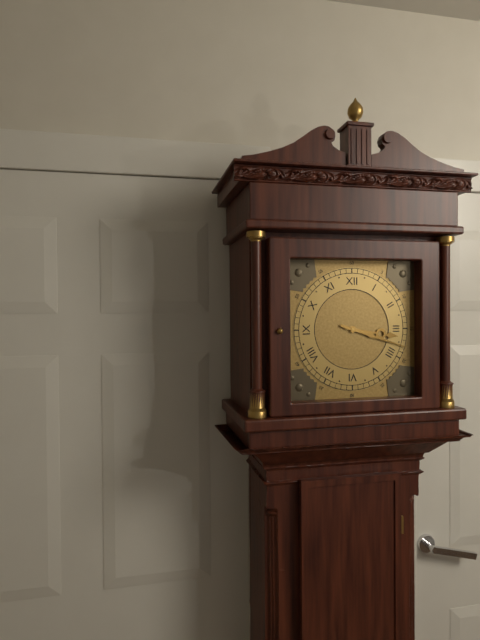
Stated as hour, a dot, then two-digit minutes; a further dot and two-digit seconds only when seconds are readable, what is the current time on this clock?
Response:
3.18
